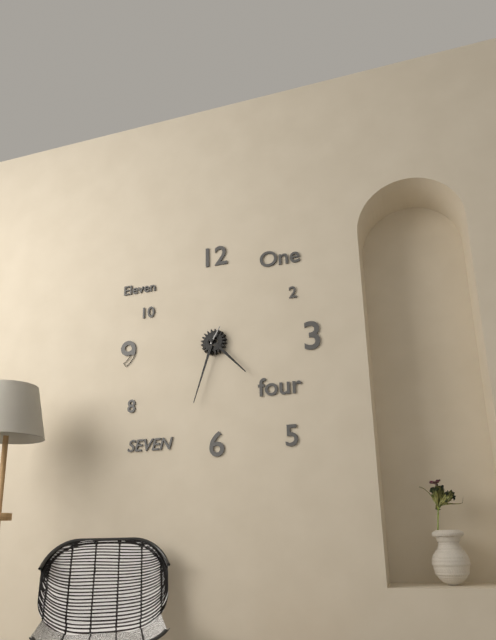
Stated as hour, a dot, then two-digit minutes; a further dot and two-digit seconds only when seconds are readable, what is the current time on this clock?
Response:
4.33
